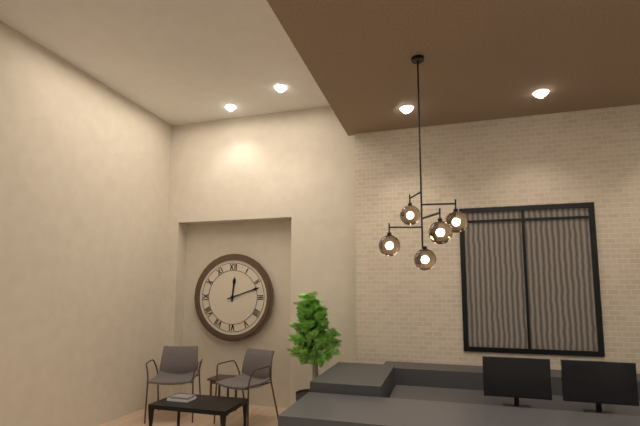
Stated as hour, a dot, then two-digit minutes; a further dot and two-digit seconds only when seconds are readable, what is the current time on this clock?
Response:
12.12
